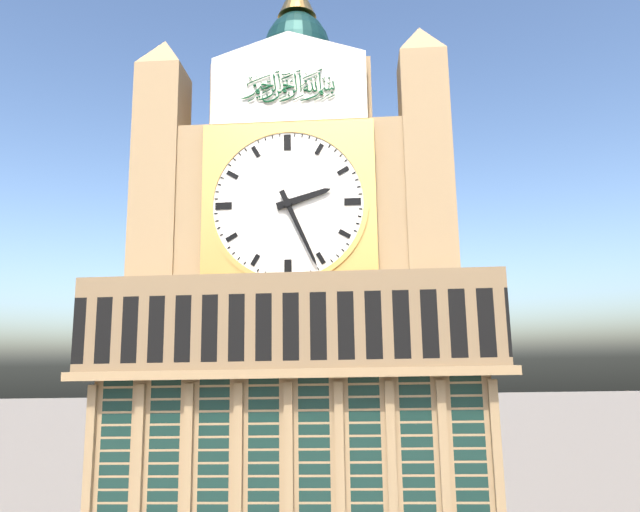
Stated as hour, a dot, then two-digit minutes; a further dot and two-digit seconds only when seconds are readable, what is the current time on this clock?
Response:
2.26
